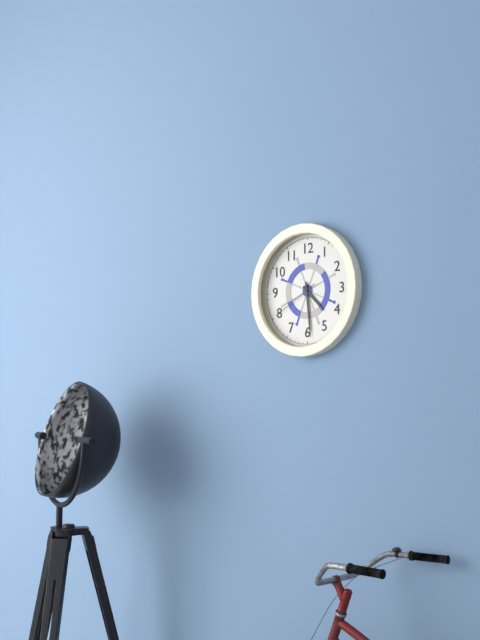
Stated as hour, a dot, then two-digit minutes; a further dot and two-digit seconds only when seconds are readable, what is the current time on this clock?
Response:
4.29.40
